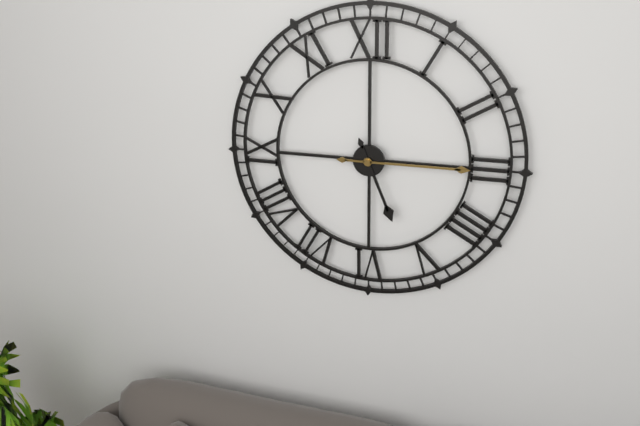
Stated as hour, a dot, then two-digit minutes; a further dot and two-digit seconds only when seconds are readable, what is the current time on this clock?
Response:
5.15
